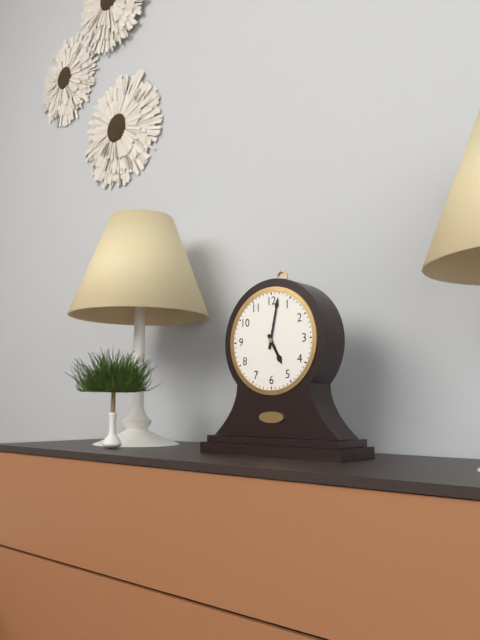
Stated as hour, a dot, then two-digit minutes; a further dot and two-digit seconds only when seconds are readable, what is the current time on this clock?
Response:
5.02
